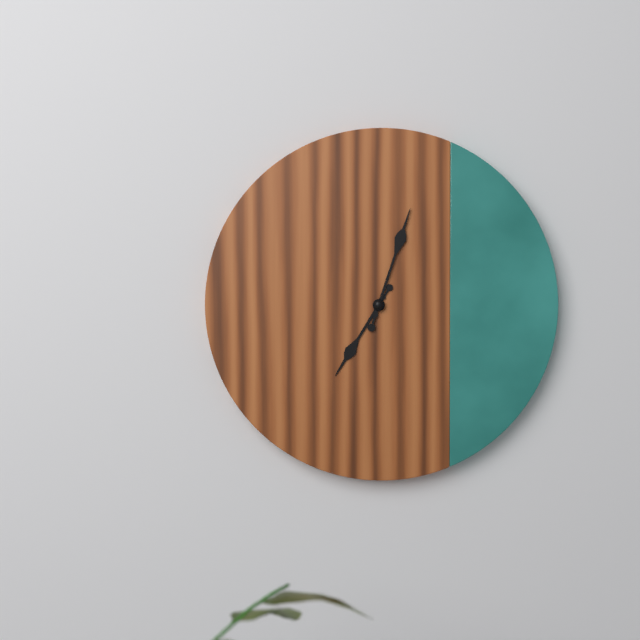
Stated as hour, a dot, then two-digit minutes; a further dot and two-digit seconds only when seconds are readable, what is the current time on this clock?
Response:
7.03
